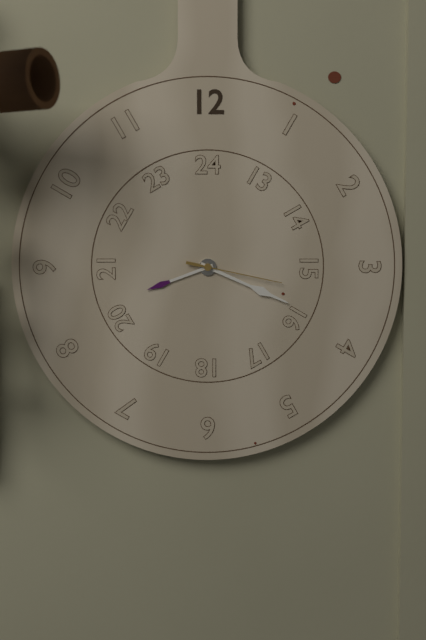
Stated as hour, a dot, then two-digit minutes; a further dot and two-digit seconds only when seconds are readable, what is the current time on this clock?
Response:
8.19.17
